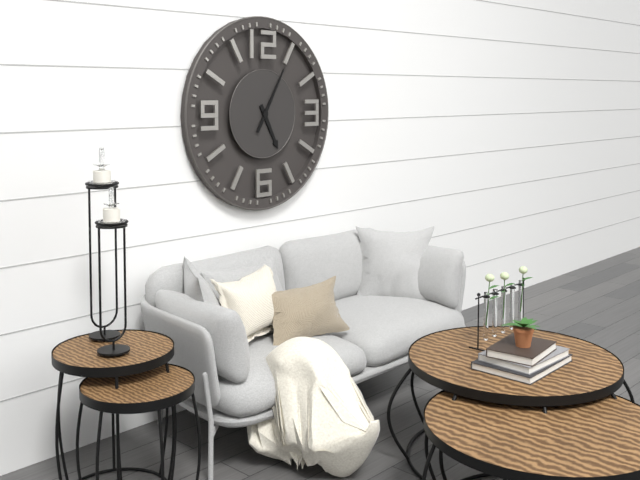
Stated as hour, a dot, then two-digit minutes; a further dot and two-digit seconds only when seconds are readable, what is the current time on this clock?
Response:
5.05
